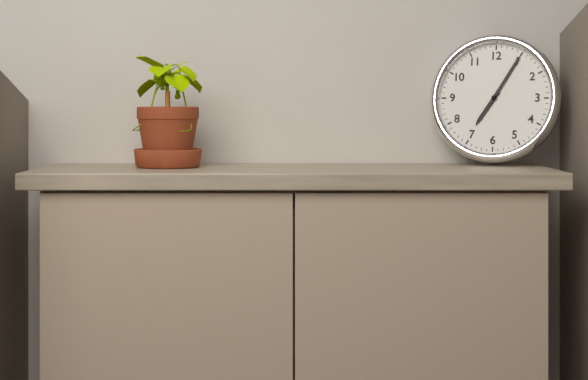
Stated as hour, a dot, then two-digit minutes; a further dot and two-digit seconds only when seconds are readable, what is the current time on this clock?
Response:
7.05
